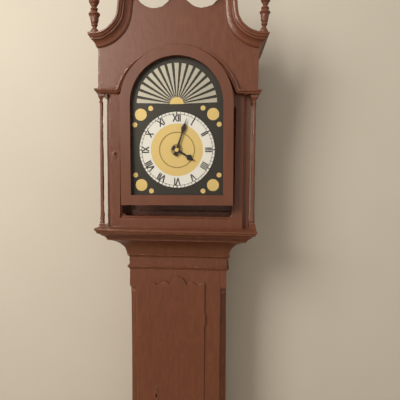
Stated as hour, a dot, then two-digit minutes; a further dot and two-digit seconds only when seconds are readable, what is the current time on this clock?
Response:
4.03
